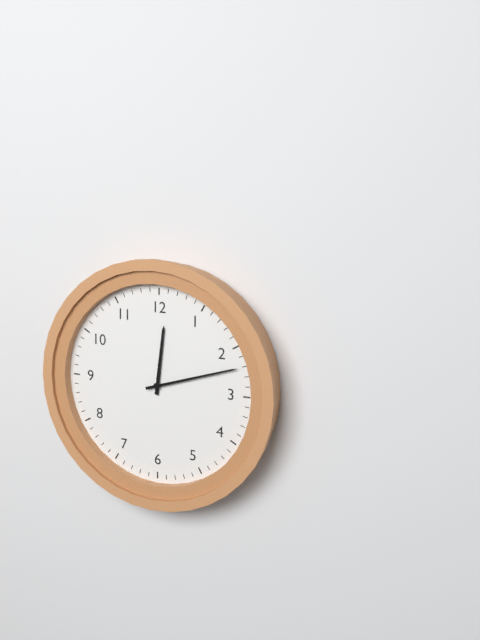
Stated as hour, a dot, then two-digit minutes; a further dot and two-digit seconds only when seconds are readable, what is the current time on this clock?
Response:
12.12
